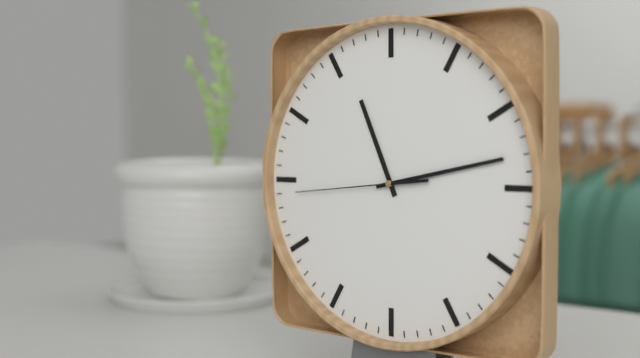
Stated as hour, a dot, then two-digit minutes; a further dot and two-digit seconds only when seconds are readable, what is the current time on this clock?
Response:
11.13.44
